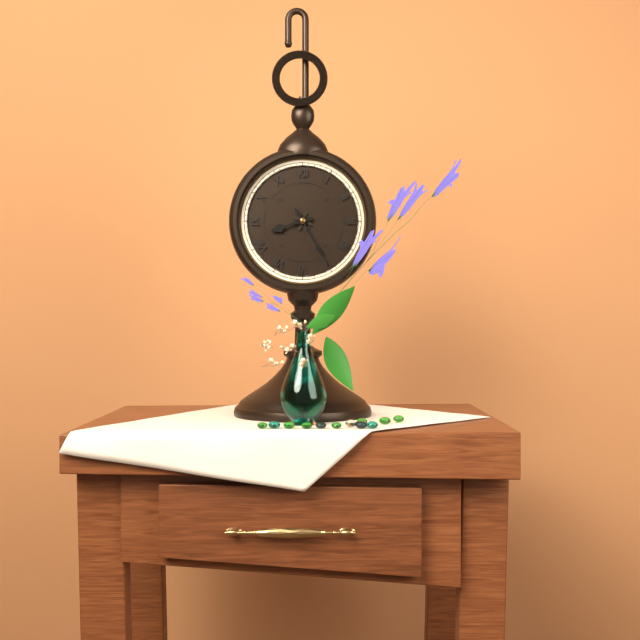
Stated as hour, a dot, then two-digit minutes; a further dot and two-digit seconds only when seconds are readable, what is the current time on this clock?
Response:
8.25
